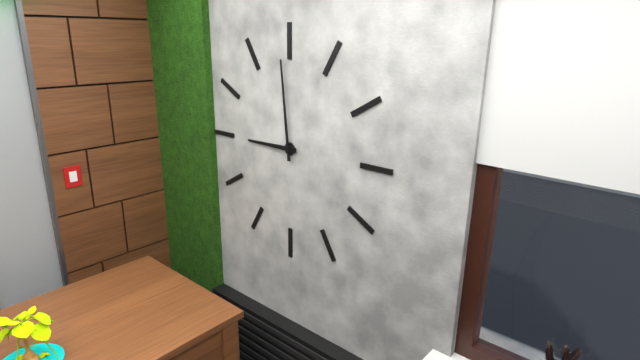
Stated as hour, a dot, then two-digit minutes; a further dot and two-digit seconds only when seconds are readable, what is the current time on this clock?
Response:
8.59
